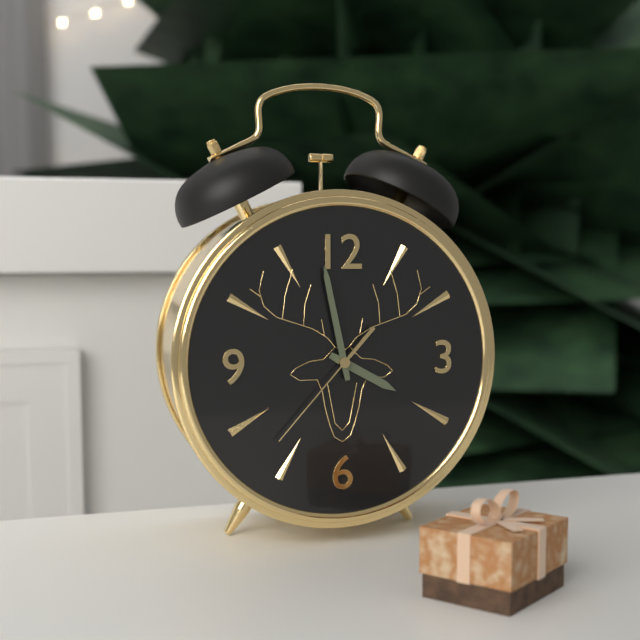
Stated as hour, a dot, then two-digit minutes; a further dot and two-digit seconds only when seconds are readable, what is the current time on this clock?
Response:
3.58.37
